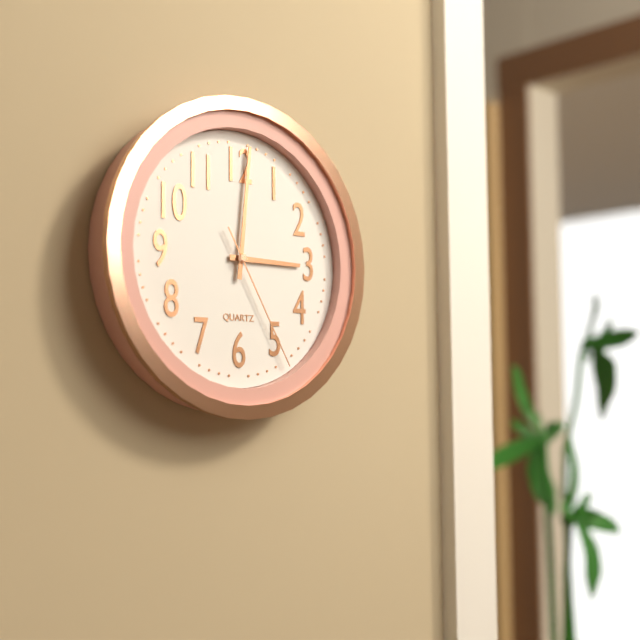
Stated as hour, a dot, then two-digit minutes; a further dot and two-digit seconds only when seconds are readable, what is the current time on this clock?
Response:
3.01.25
